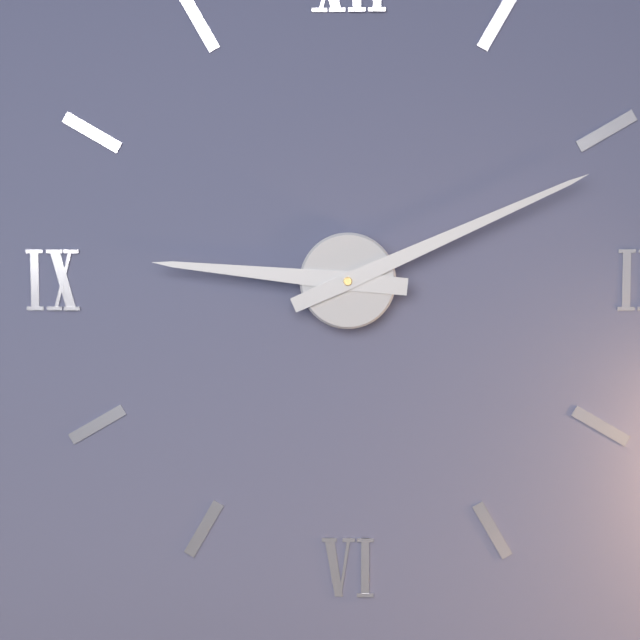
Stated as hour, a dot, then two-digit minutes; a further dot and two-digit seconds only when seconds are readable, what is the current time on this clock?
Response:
9.11
